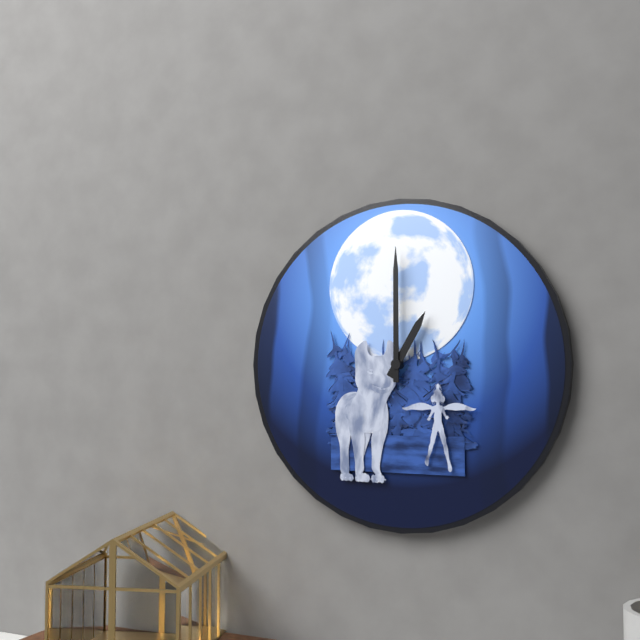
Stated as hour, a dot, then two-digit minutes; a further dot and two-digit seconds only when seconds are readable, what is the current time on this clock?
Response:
1.00
